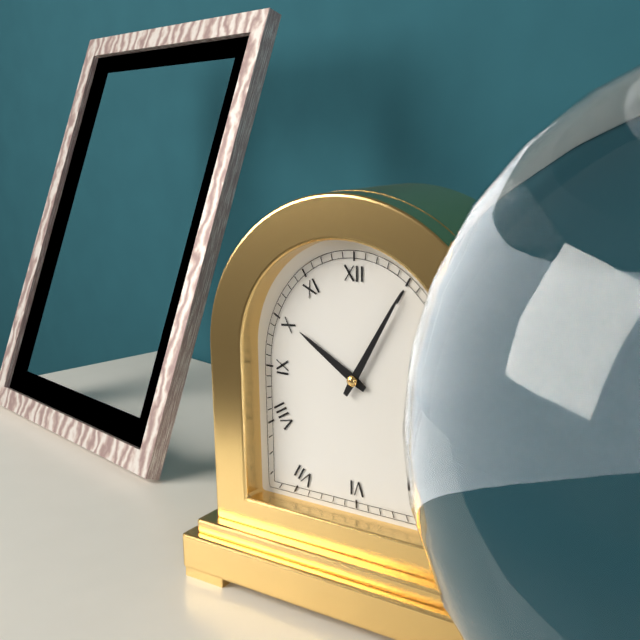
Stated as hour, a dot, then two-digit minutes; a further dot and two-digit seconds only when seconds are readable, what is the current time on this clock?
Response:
10.05
